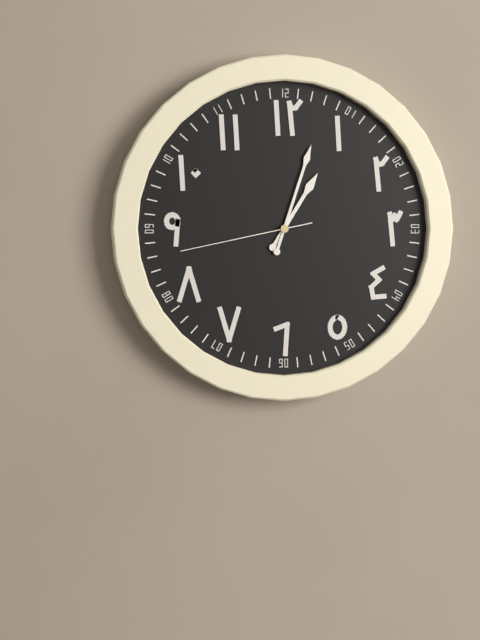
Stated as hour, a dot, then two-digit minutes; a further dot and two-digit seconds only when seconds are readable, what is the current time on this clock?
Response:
1.03.43
